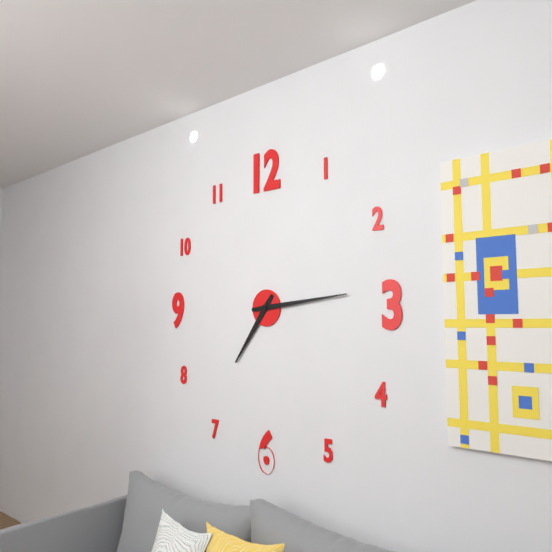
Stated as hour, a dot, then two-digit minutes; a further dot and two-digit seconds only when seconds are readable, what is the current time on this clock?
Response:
7.14
